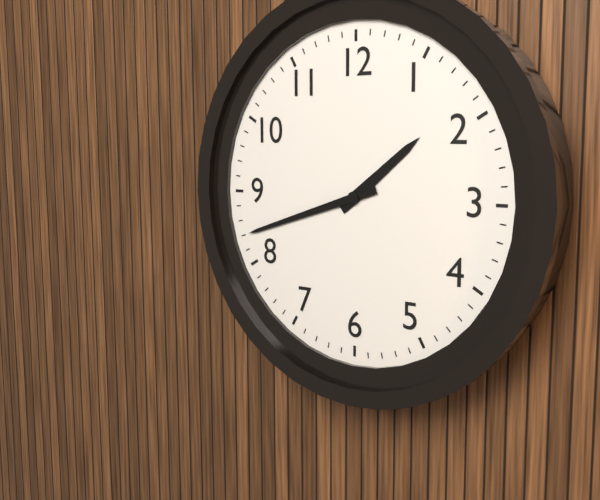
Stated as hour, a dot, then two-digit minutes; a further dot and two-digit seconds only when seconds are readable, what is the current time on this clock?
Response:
1.42
